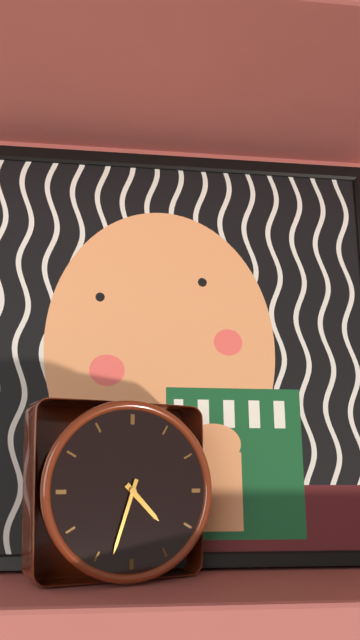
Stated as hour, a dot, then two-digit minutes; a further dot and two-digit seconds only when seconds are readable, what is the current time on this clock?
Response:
4.33
